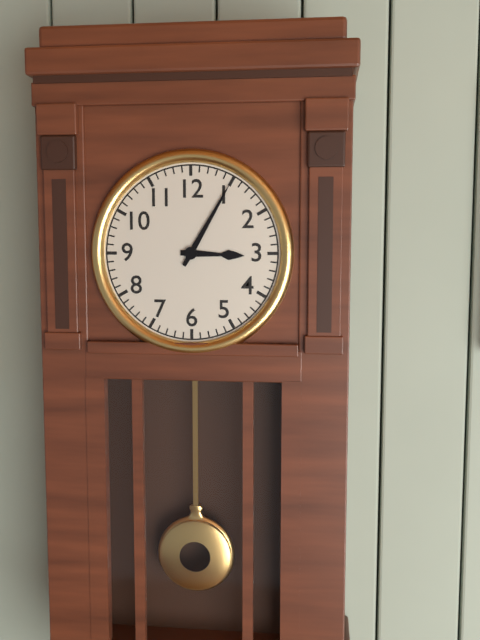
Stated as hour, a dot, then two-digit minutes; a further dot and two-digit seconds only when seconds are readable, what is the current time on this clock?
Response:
3.05
